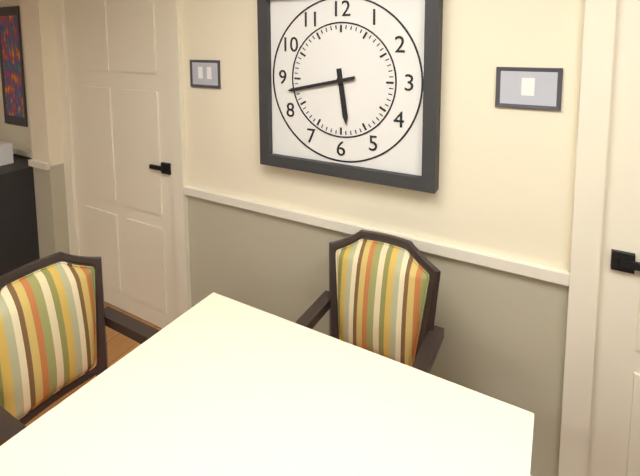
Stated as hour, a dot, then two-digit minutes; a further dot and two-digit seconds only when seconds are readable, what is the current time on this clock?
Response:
5.43
